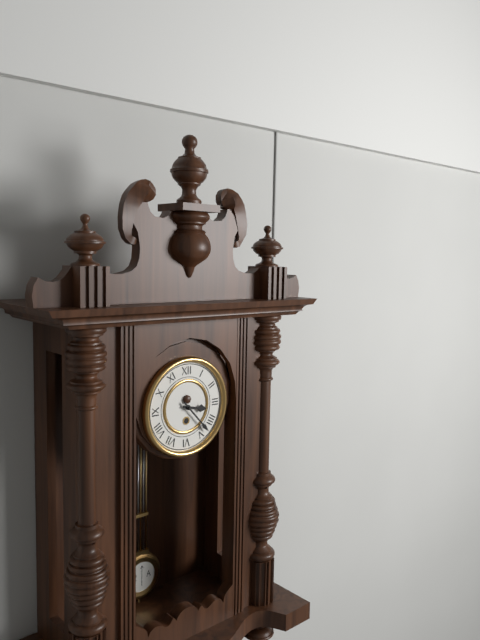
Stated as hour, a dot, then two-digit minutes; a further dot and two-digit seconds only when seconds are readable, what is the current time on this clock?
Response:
3.23
